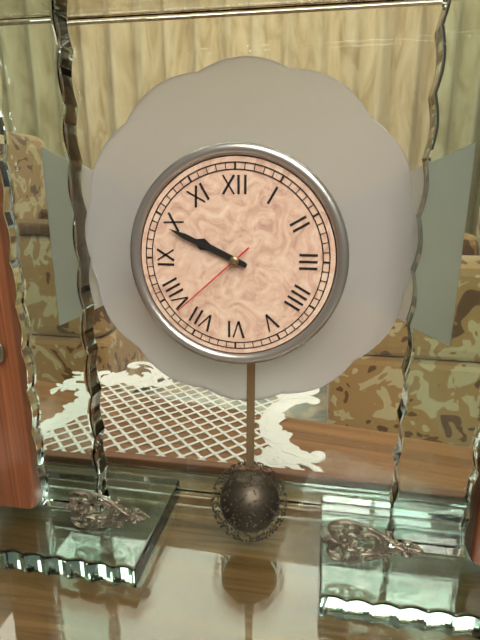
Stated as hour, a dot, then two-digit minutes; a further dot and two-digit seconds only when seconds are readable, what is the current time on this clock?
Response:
9.49.38
